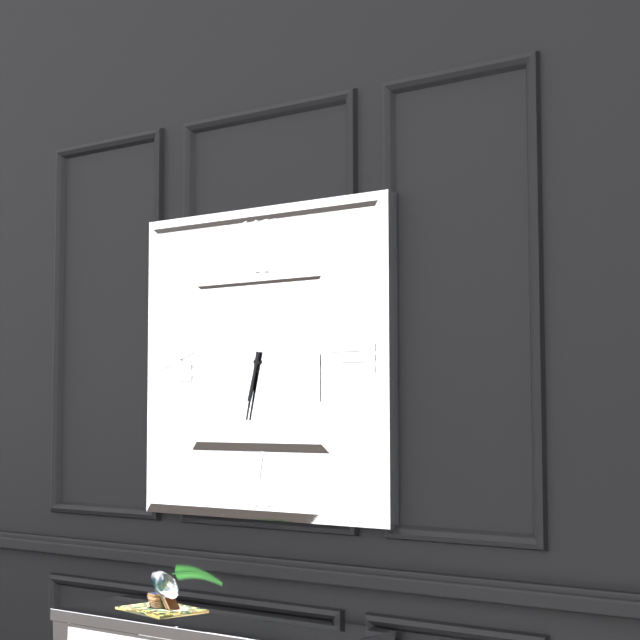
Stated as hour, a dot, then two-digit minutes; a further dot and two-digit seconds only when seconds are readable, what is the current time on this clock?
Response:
6.32
